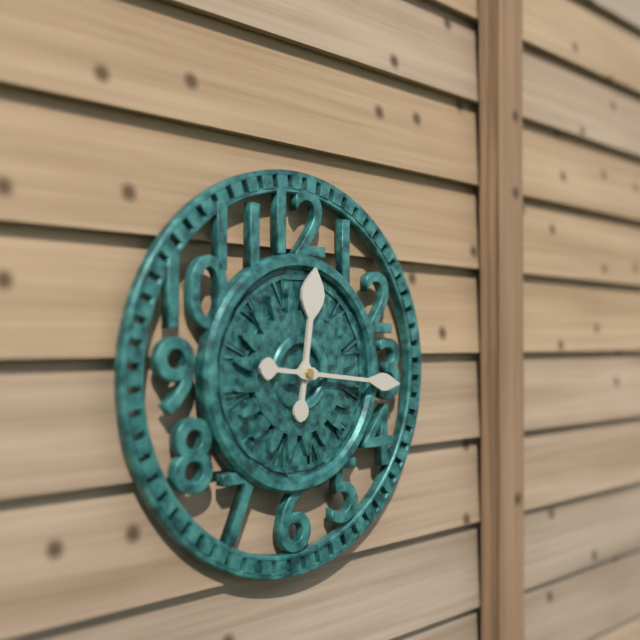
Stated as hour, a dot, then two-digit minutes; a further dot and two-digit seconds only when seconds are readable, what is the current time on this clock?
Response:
12.16
